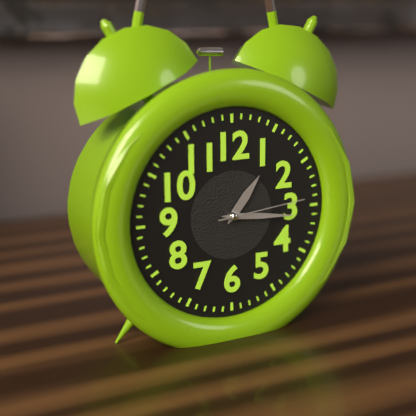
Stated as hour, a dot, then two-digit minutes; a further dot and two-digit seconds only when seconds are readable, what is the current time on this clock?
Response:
1.16.14
